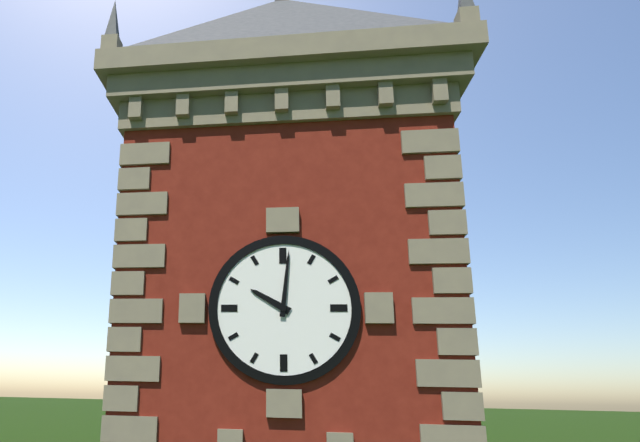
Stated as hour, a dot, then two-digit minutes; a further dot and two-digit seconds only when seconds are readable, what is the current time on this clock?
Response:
10.01
